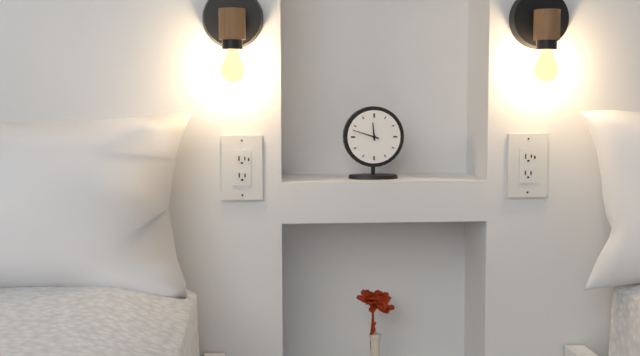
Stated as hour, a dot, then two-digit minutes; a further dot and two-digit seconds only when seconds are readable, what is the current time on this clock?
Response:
11.48
